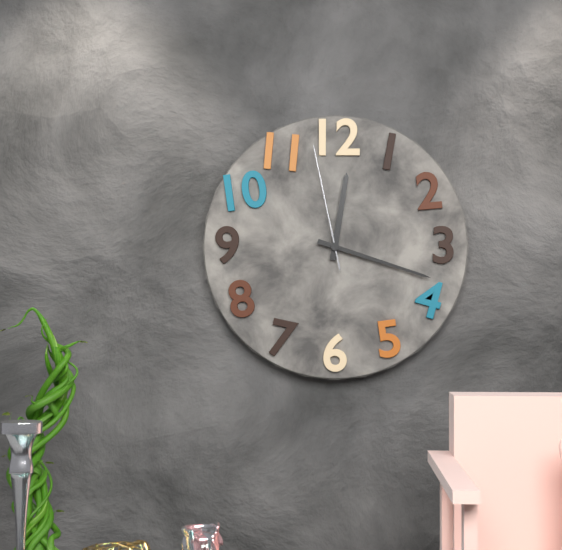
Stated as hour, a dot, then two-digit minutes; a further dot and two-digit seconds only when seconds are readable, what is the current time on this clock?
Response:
12.18.58
